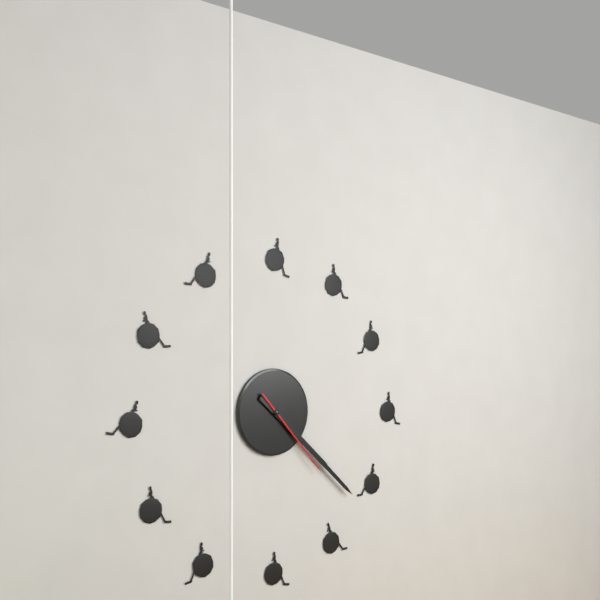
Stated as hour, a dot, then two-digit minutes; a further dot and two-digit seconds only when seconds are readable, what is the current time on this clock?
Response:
4.22.23
